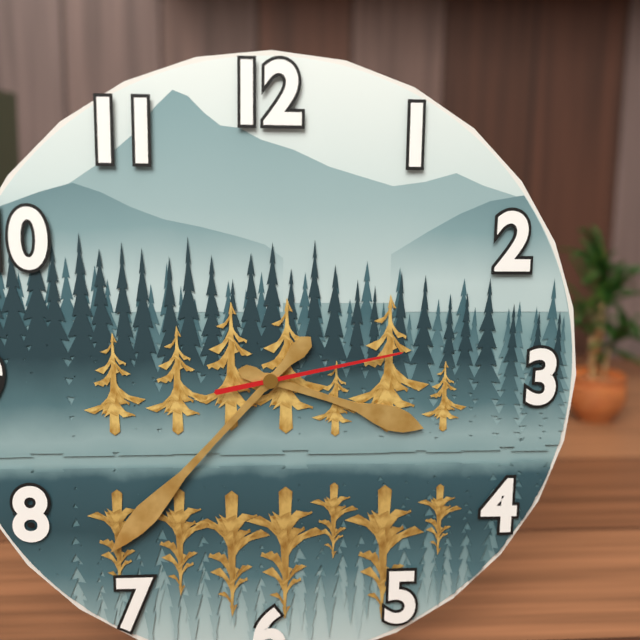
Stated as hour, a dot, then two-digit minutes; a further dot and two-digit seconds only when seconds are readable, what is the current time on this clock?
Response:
3.37.13
